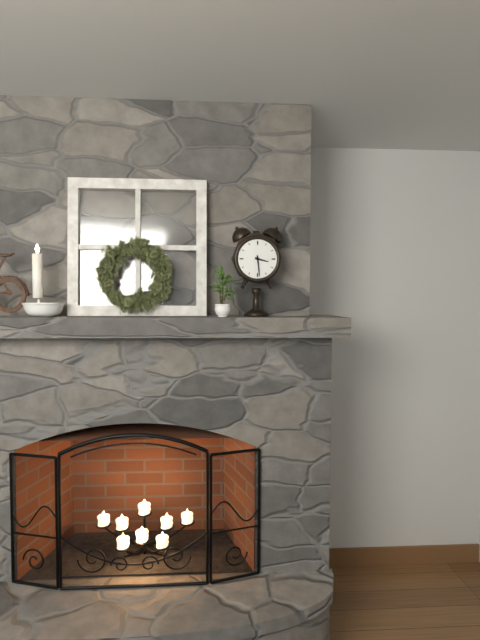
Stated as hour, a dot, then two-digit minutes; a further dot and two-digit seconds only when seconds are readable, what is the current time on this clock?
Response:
3.29
